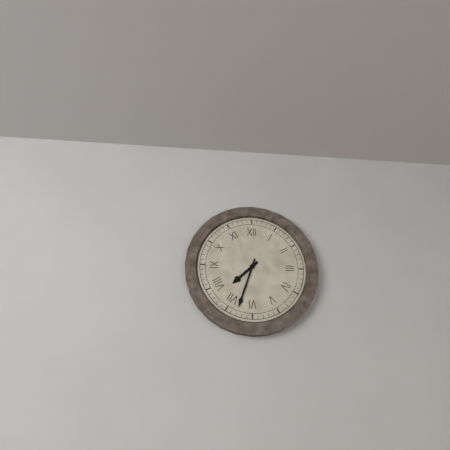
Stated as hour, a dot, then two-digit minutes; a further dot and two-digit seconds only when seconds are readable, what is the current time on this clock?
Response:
7.33
